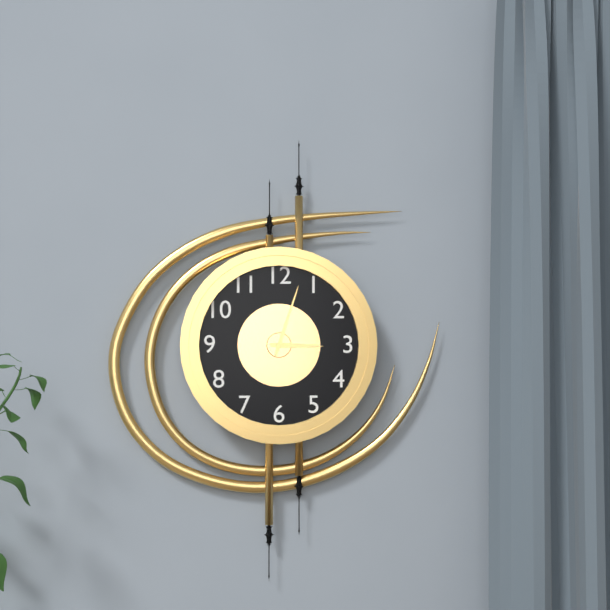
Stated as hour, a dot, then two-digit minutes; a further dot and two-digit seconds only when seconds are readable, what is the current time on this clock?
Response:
3.03
